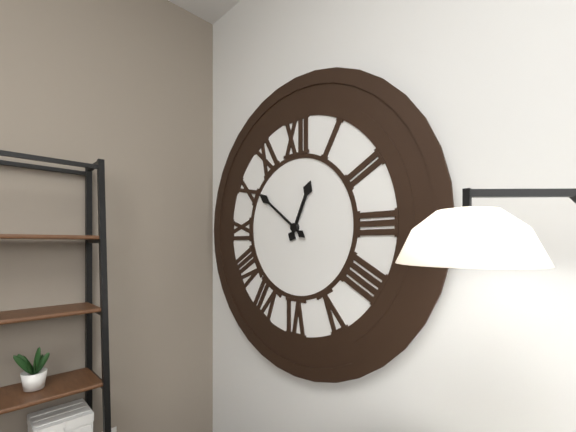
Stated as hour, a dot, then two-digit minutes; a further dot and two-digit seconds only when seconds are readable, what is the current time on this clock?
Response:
12.51
